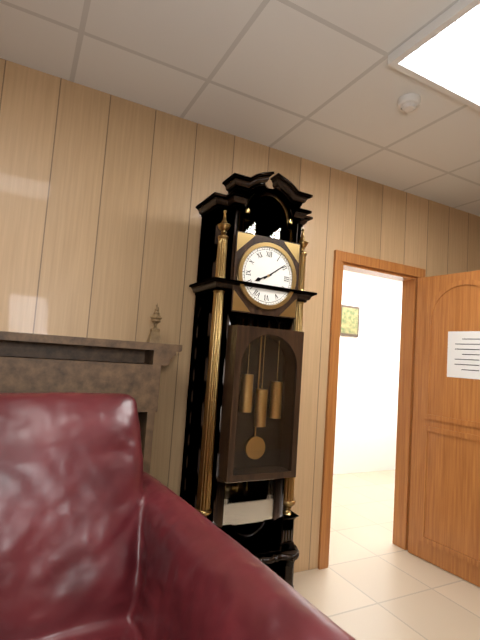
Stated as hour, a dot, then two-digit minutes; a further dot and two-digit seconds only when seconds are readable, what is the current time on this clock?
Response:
8.09
